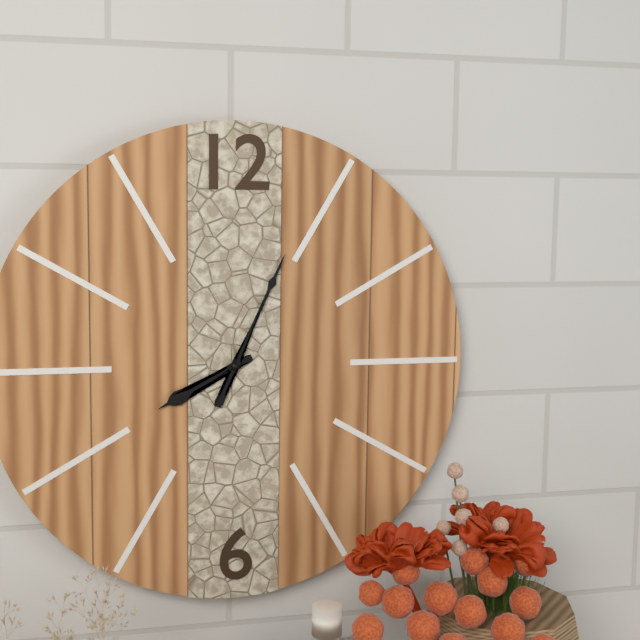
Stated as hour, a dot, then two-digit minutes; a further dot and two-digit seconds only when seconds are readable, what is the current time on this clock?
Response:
8.04
